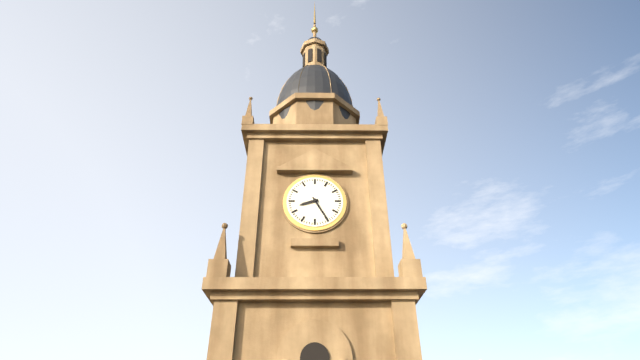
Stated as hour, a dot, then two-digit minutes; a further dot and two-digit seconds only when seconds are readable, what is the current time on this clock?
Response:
8.25
